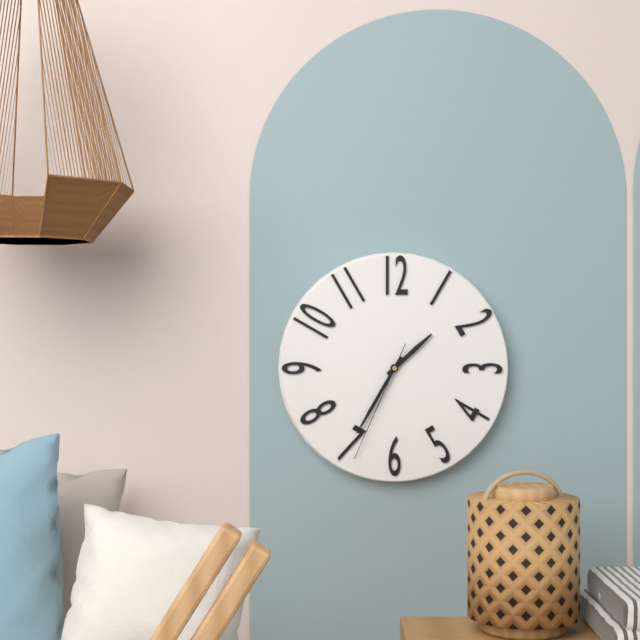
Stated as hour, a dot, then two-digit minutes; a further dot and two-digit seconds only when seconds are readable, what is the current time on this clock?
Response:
1.35.34
